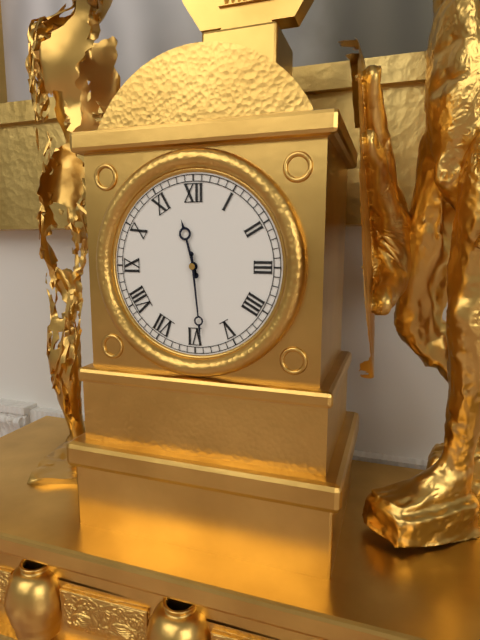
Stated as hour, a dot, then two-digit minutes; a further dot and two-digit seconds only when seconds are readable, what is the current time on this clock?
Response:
11.29
